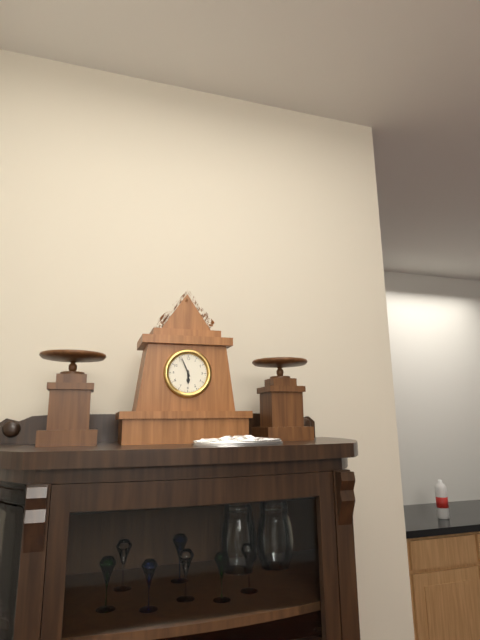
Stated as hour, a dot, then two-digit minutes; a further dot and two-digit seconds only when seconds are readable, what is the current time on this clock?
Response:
5.56
